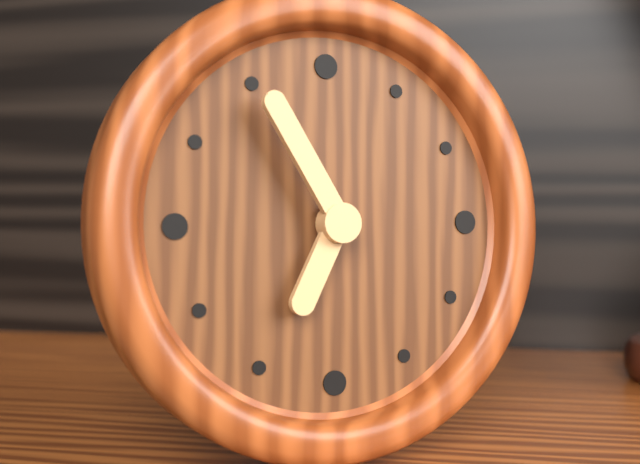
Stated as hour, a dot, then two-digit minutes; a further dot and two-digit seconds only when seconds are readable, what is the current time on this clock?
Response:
6.55
